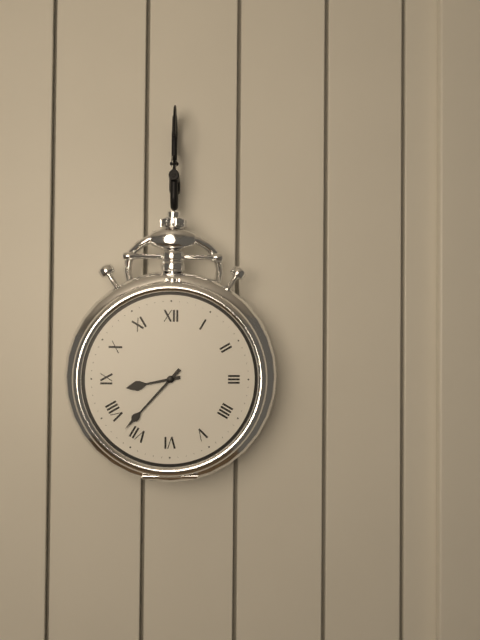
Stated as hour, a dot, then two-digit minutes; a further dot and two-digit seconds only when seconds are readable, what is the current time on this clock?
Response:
8.37
